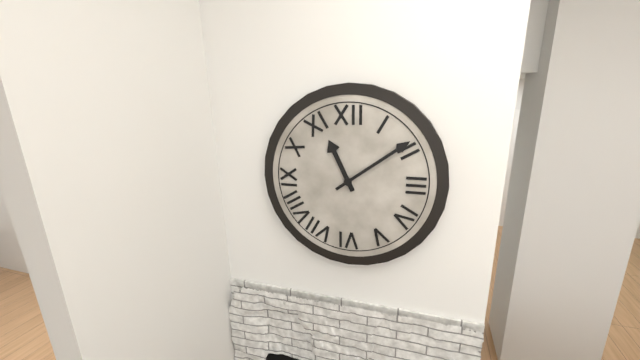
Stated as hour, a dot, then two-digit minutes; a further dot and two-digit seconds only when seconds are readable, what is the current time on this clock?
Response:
11.09
